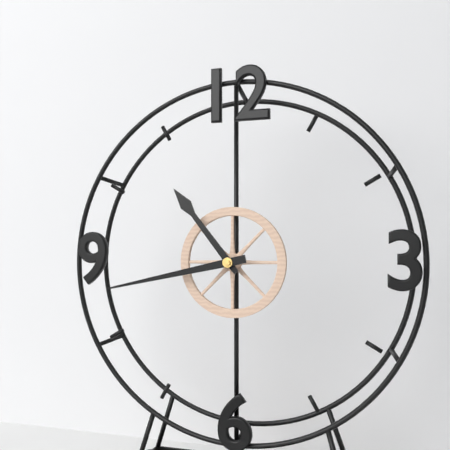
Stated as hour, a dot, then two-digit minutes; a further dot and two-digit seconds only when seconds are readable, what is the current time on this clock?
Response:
10.43
